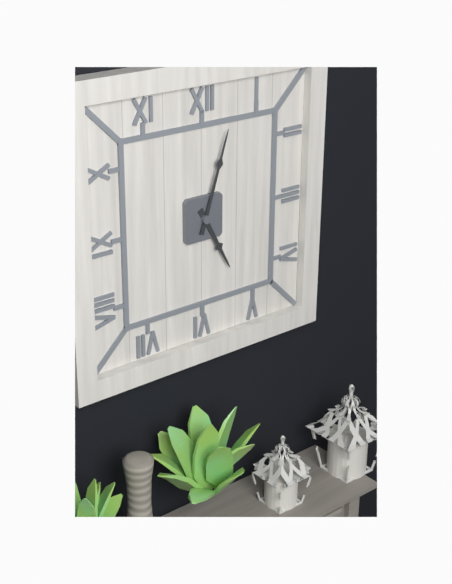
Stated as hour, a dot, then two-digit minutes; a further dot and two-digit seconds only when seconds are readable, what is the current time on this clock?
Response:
5.03
